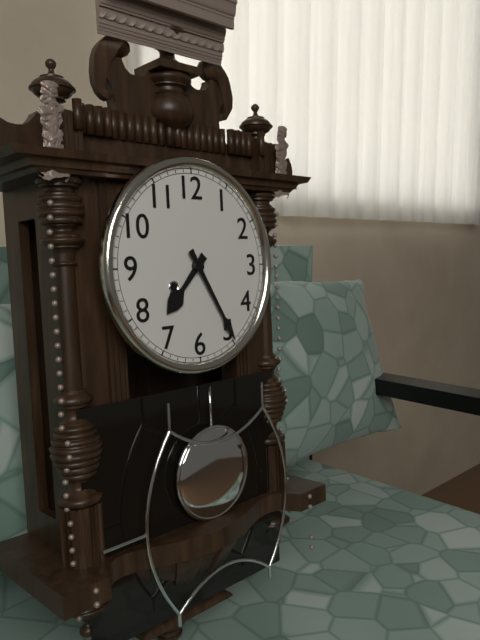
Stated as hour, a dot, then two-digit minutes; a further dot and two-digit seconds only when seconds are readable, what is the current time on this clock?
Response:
7.25
